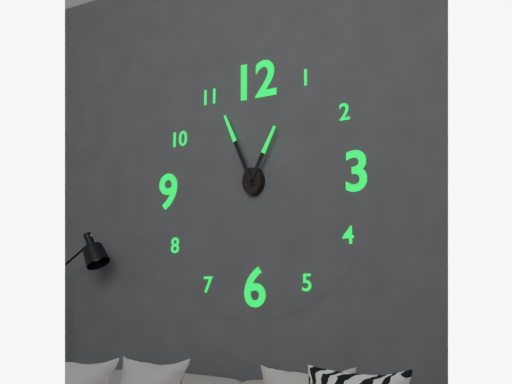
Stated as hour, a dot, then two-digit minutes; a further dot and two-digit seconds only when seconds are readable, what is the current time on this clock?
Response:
12.56
